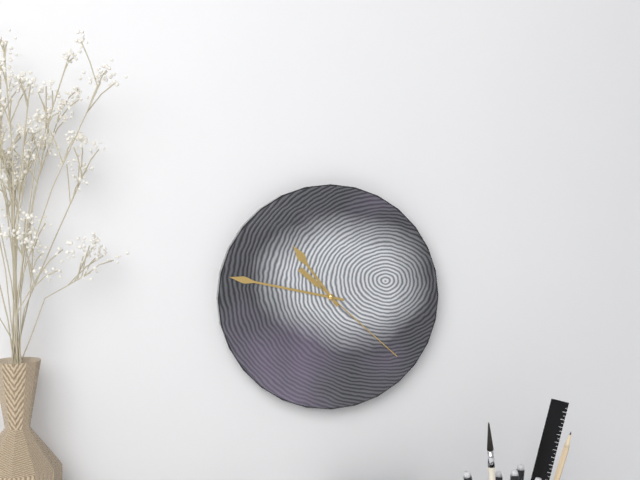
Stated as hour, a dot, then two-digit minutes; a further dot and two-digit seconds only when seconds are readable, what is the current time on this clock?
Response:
10.47.22
